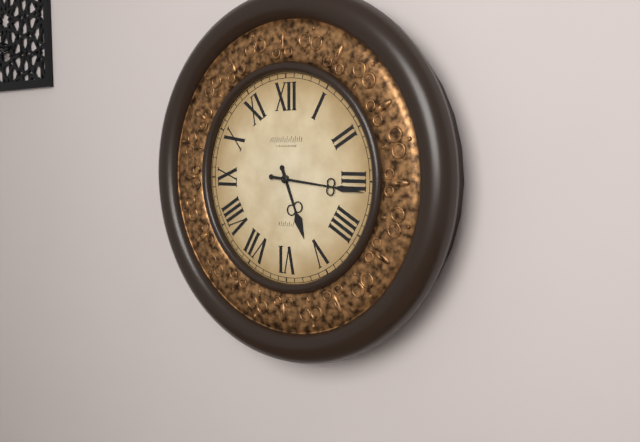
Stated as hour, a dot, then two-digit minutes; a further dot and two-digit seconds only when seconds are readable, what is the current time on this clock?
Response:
5.16
